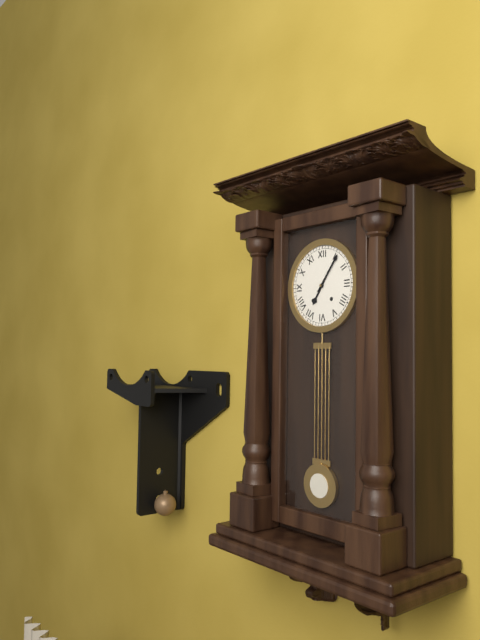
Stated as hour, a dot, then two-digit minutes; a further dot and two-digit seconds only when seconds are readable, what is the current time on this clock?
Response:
7.06
